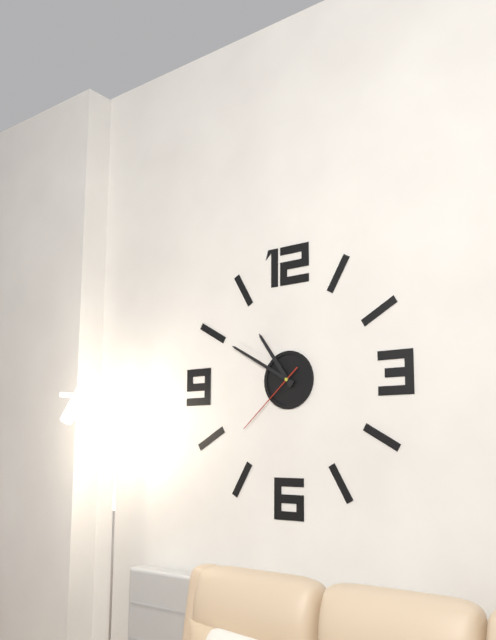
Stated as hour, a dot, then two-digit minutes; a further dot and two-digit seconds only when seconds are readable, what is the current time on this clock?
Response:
10.50.38
